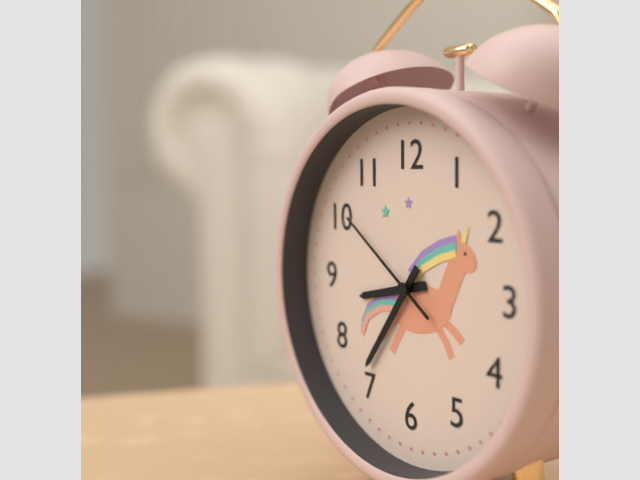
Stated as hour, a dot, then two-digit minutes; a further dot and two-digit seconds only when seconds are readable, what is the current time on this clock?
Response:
8.36.51
